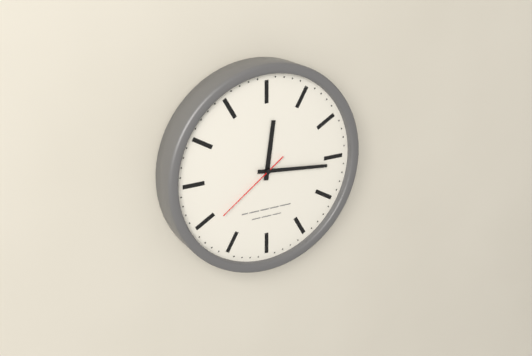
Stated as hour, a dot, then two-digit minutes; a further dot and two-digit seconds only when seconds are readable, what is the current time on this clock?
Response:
12.16.39
